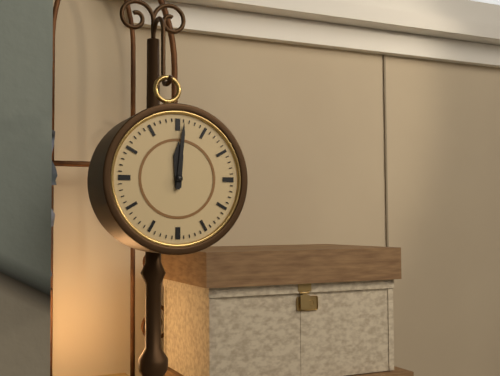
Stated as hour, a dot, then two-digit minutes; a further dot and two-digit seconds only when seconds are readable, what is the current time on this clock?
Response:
12.01
